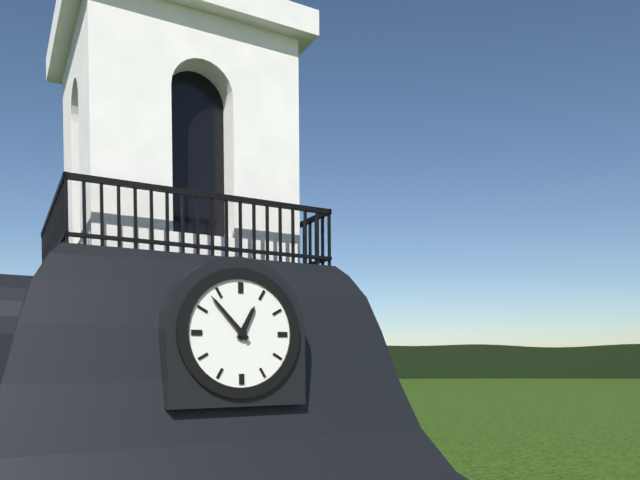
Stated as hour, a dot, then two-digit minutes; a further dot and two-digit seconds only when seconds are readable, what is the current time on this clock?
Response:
12.53
